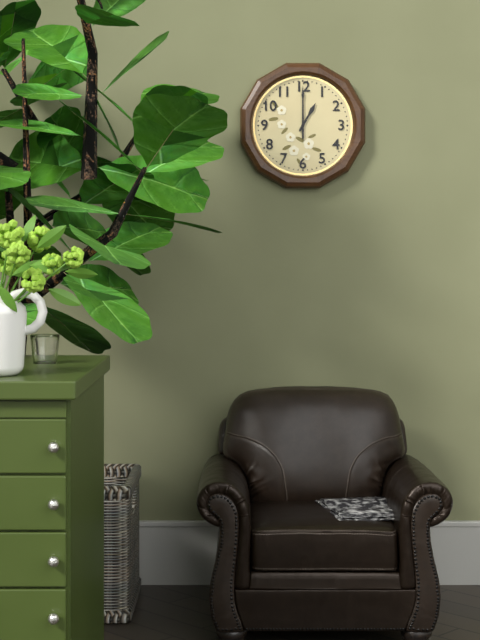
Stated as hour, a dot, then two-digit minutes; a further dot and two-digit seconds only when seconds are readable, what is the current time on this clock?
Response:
1.00
